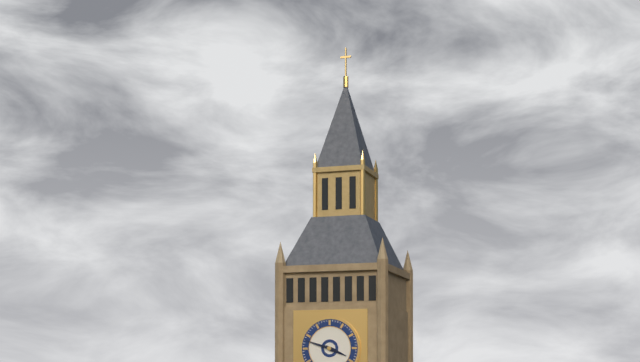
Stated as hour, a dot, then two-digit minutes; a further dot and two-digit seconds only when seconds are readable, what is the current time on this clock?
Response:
3.48
